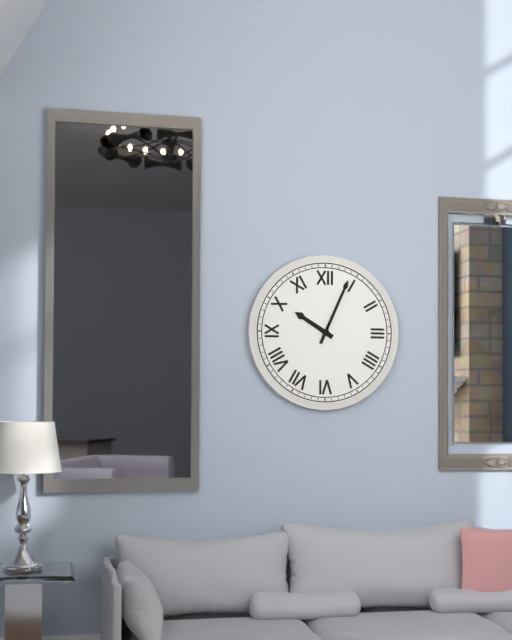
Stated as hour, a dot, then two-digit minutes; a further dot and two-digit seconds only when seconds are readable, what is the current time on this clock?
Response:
10.04
